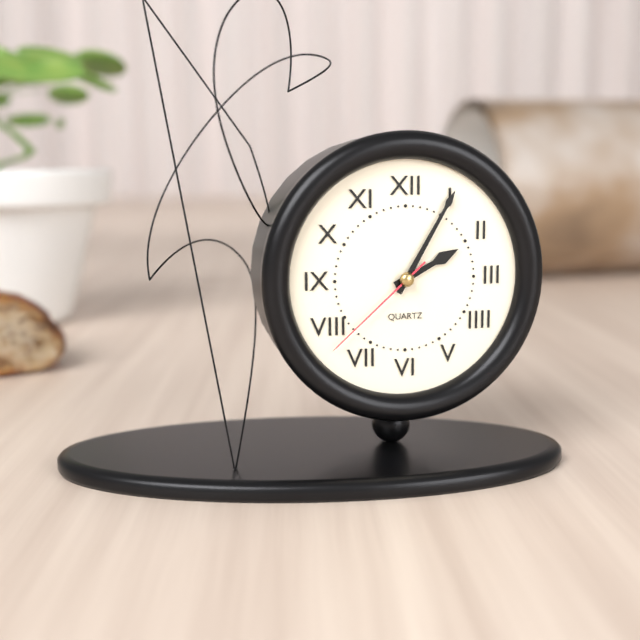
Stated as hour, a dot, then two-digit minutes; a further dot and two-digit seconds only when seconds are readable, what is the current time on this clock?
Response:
2.05.38
